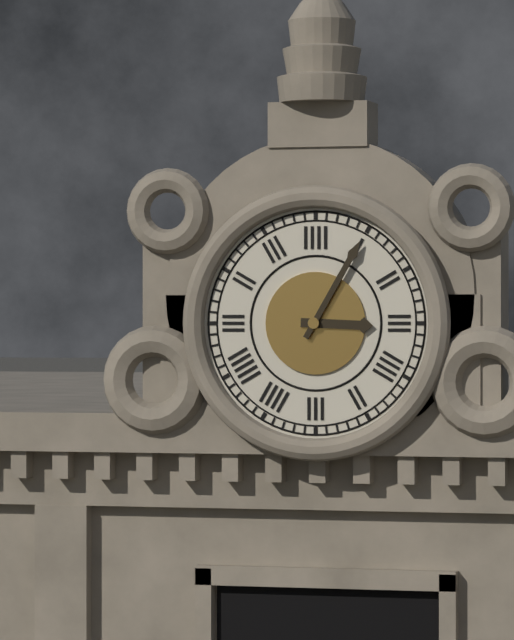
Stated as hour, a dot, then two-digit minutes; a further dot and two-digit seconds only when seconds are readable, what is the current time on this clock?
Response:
3.05
